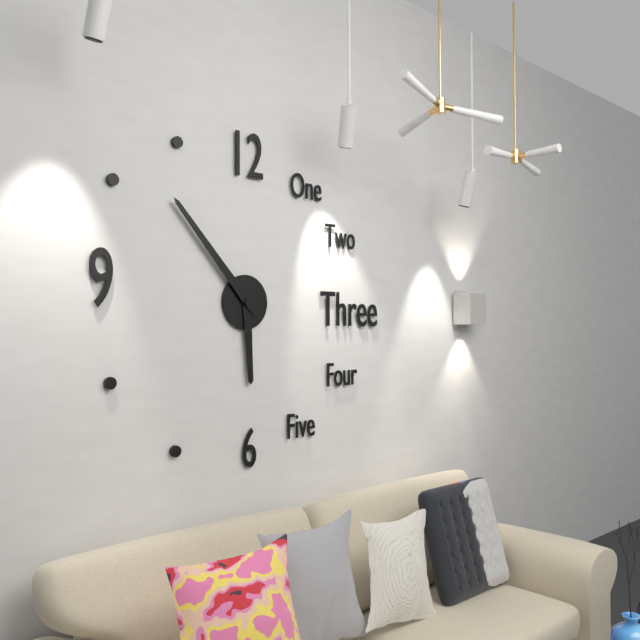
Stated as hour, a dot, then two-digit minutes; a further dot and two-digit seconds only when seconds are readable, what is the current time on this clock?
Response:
5.53
